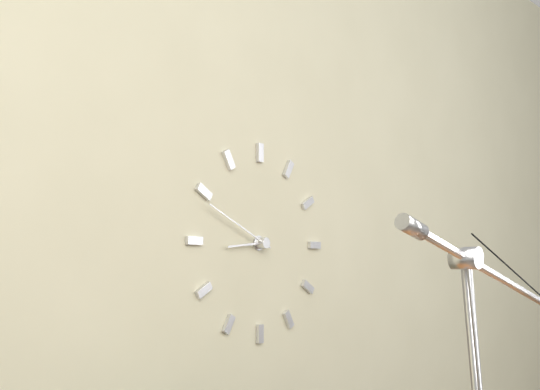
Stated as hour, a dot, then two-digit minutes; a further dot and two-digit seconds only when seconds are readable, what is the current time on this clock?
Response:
8.49
